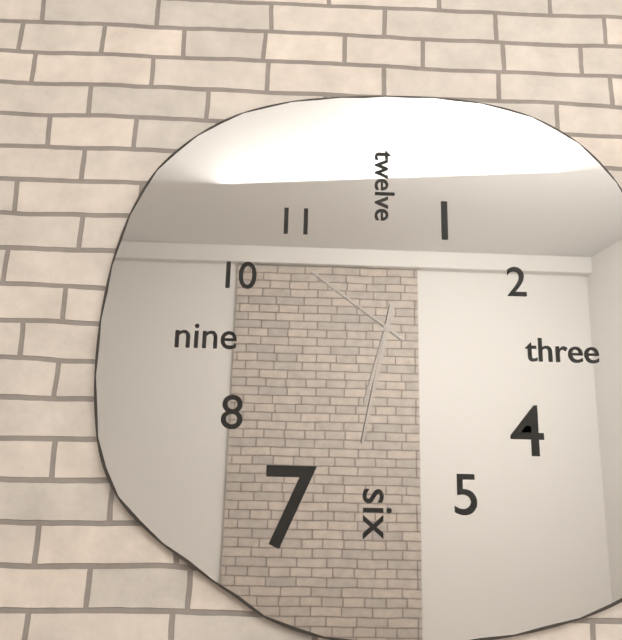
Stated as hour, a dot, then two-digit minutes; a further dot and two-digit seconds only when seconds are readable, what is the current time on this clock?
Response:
6.32.51
